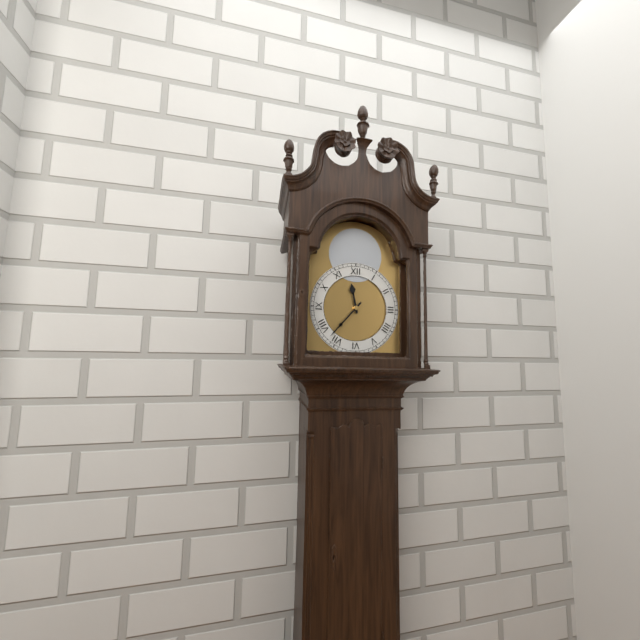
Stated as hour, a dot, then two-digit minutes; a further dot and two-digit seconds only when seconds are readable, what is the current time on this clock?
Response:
11.37
